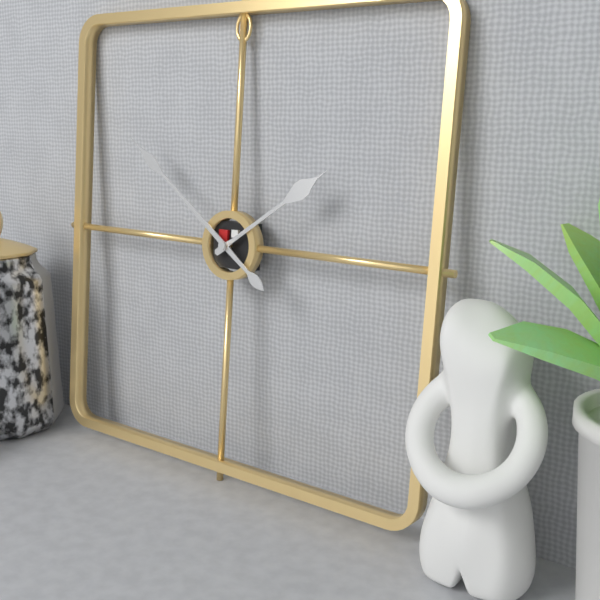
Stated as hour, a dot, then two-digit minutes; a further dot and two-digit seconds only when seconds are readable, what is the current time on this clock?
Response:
1.51
